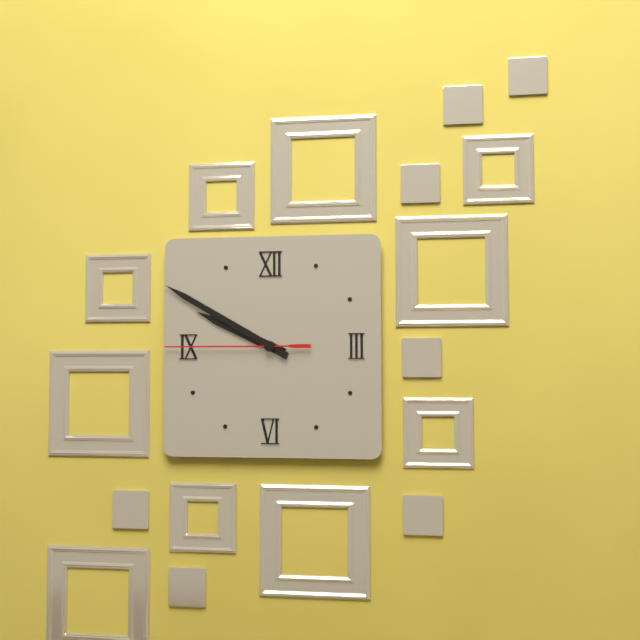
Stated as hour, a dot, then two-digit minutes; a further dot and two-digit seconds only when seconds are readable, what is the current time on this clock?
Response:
9.50.45
